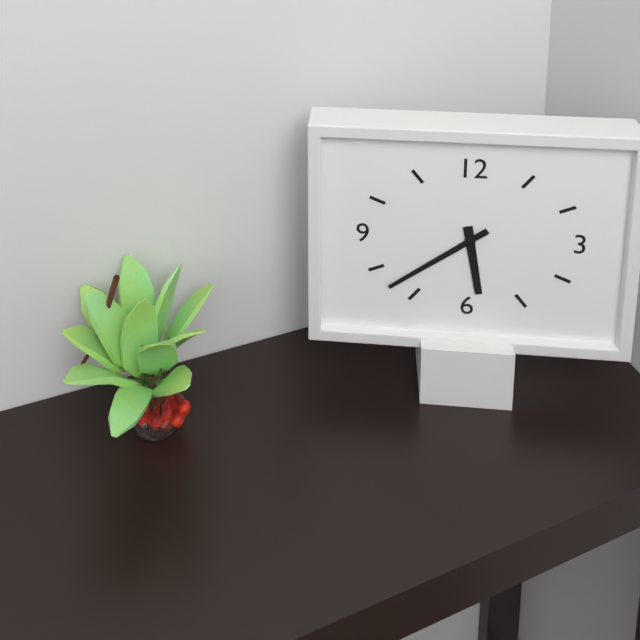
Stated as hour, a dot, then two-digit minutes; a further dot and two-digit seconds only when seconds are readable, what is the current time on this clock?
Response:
5.39
